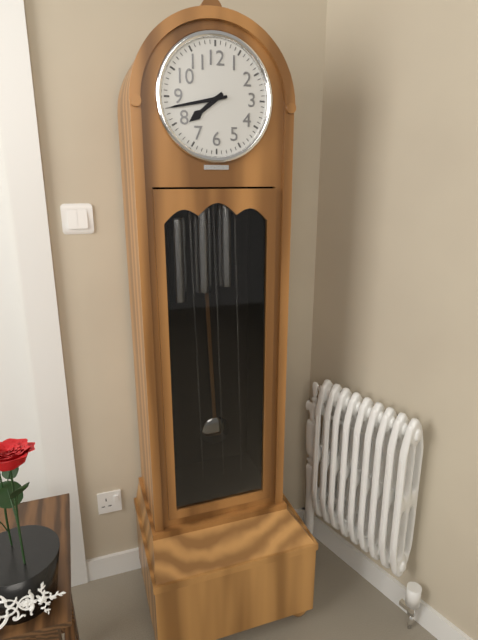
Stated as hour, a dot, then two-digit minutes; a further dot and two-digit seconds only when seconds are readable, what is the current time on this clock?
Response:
7.43
